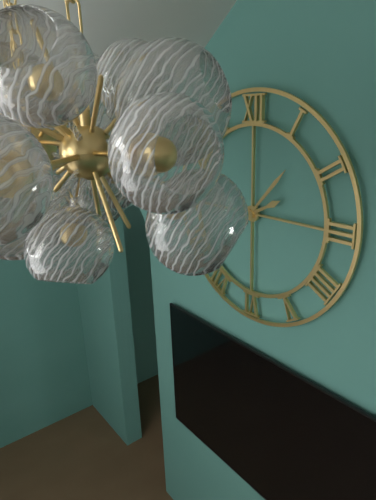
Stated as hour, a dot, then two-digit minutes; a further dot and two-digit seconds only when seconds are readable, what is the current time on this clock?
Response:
2.07
